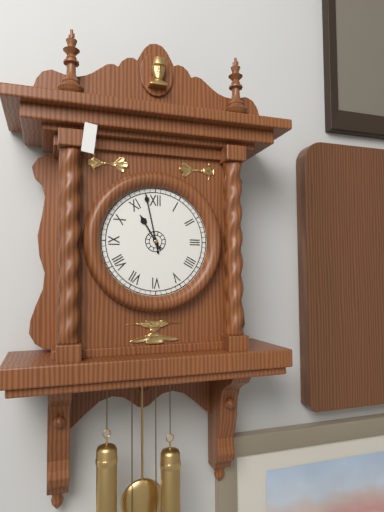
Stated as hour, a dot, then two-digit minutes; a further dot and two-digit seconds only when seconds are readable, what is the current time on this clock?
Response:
10.58
